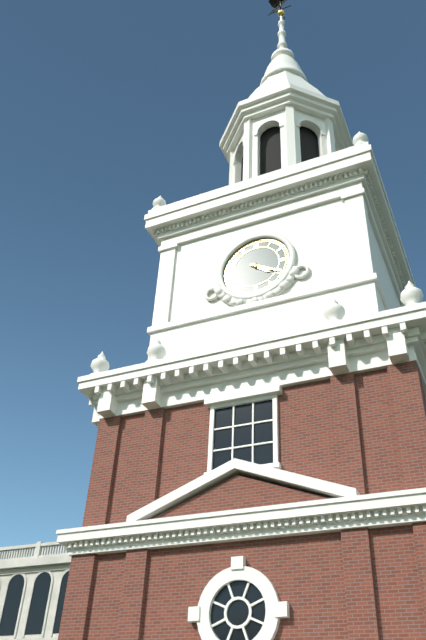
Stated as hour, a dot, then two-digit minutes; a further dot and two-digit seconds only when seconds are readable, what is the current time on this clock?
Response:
4.20
